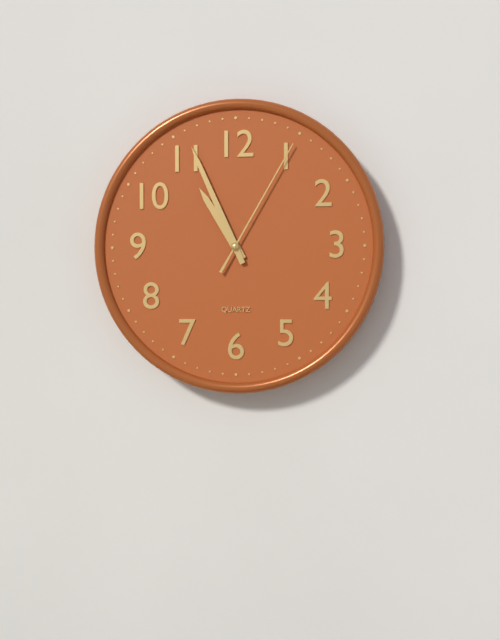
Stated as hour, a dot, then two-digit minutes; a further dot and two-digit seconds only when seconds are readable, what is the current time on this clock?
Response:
10.56.05
